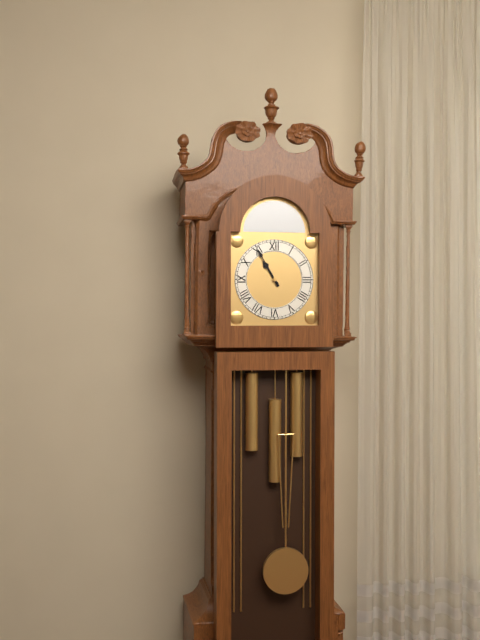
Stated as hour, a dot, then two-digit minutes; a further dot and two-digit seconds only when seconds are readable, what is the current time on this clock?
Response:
10.55
